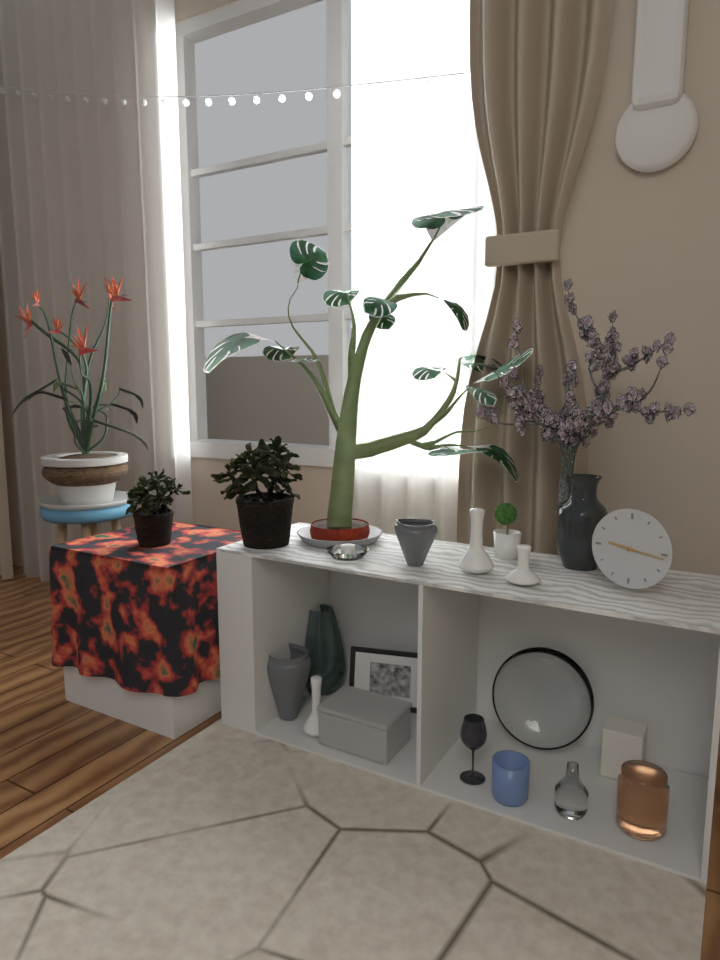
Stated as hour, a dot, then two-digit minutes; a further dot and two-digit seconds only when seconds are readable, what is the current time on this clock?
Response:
9.16
